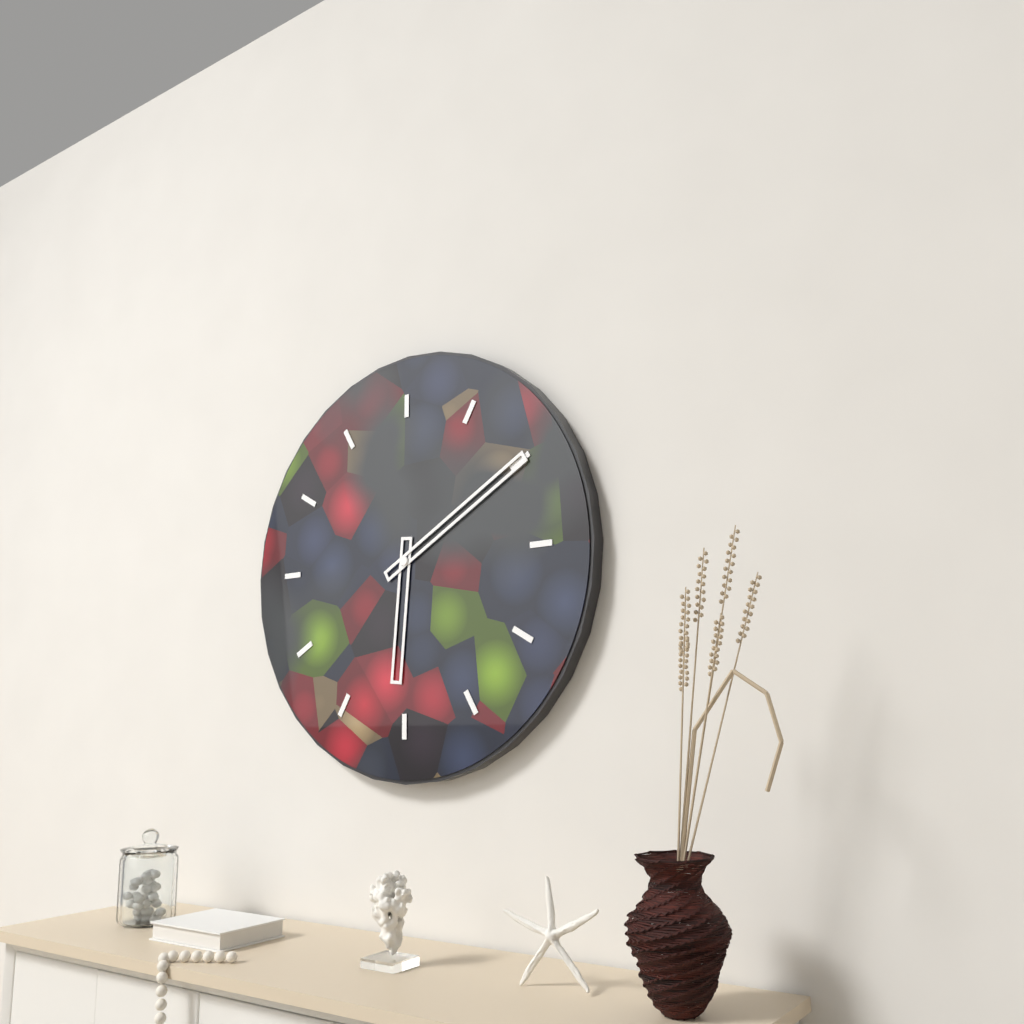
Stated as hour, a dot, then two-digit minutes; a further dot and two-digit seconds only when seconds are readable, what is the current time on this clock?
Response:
6.10
